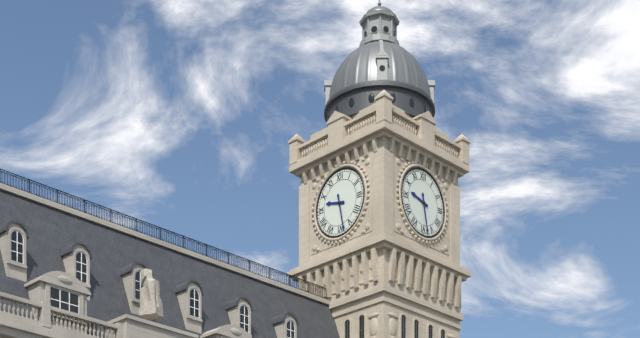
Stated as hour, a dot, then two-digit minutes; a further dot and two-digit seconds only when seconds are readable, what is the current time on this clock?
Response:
9.28
